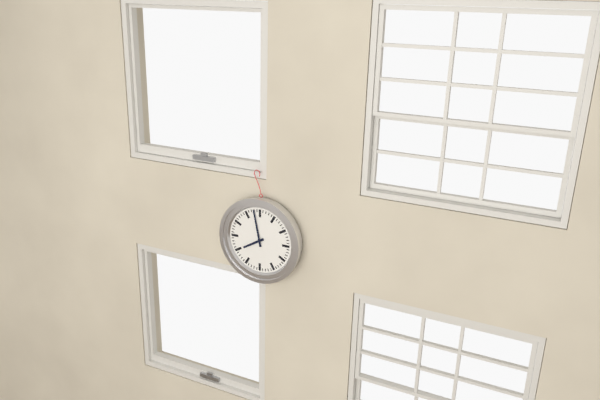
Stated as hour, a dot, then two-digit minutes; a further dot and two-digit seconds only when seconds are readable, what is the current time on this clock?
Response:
7.58
